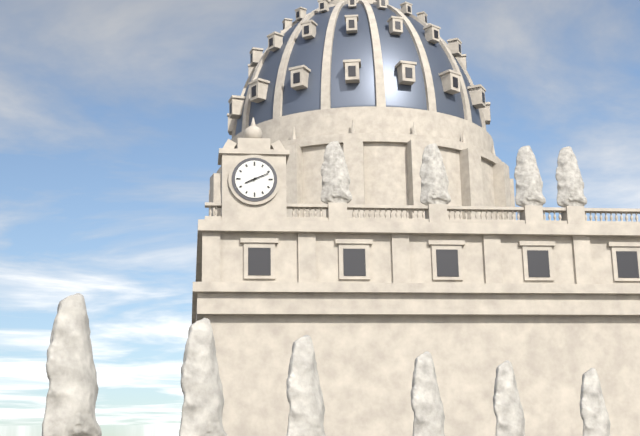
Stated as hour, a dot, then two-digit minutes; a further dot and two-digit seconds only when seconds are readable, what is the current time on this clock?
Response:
8.11
